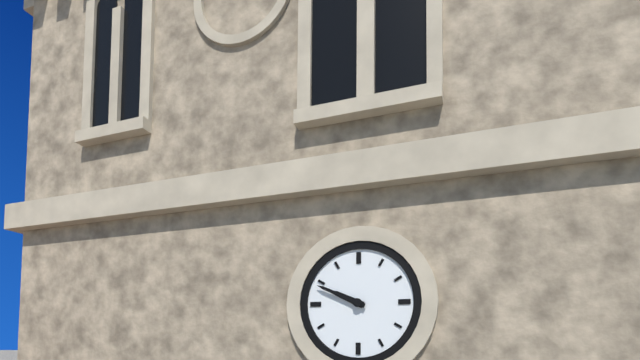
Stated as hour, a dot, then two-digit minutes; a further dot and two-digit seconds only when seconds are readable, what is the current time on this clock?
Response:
9.49
